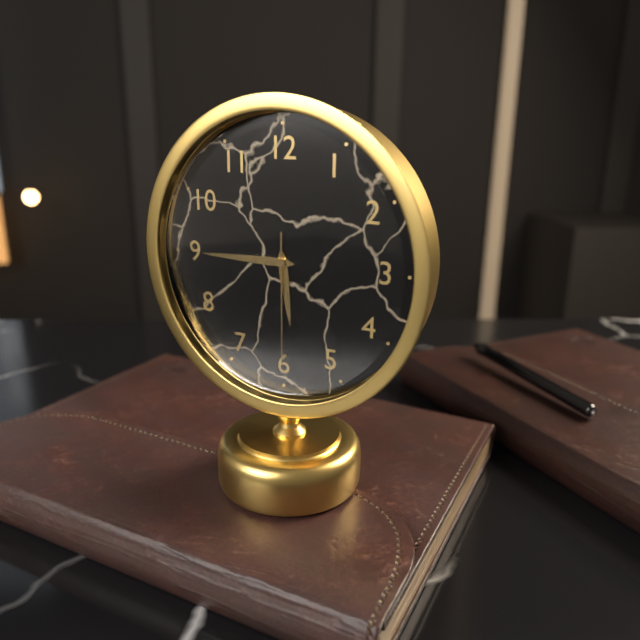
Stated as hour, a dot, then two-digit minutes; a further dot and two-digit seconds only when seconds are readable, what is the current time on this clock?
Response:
5.45.30
